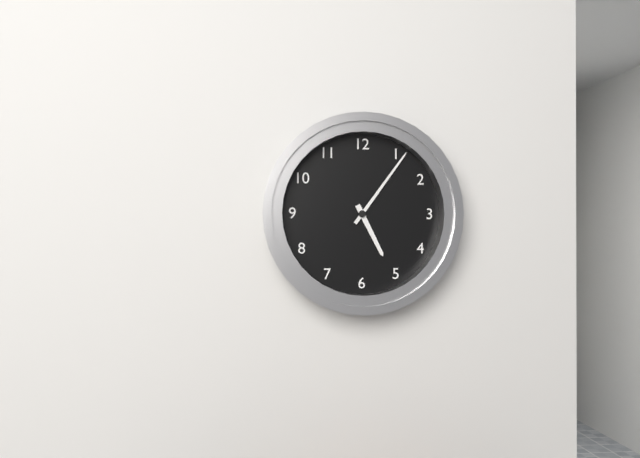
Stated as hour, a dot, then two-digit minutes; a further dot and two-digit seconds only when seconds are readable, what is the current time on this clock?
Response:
5.06
